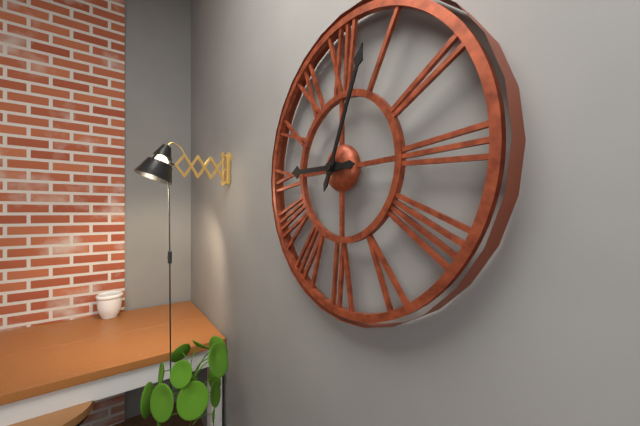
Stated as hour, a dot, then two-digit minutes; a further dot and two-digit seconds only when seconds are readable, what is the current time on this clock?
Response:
9.04
